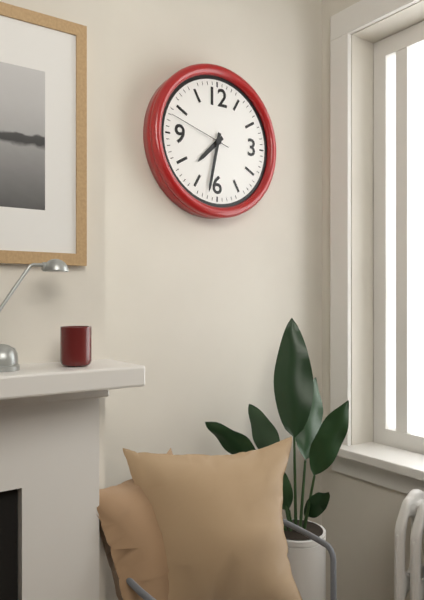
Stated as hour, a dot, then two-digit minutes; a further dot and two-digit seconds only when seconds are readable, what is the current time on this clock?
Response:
7.32.48
